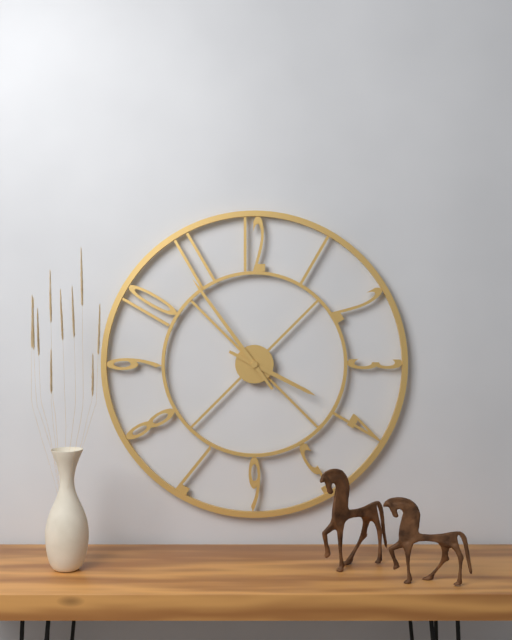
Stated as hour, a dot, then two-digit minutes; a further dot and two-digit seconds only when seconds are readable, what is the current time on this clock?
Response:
3.54
